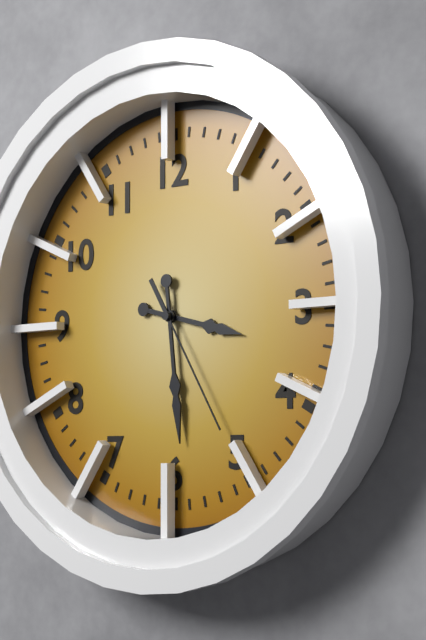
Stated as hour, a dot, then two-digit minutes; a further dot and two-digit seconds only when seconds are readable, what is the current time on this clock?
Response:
3.29.25
